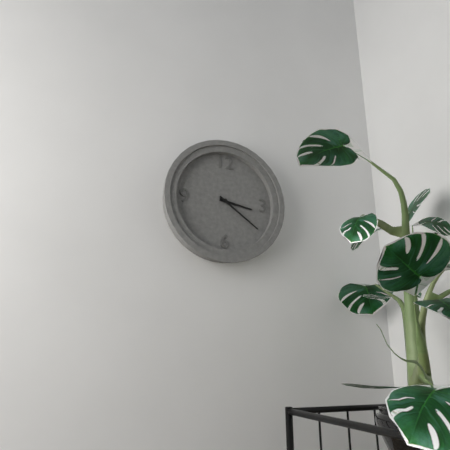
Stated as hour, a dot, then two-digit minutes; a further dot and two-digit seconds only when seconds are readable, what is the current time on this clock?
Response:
3.21
